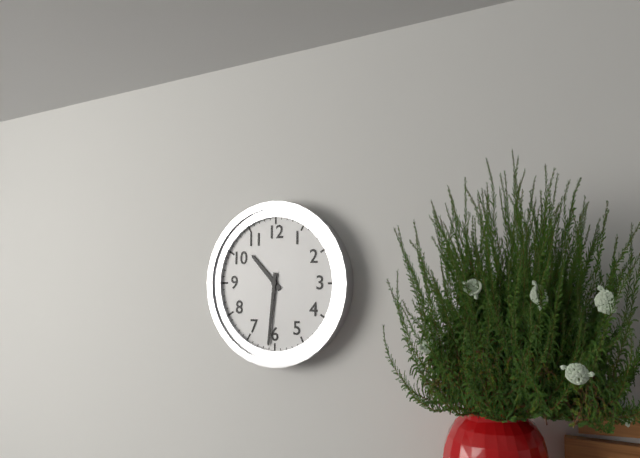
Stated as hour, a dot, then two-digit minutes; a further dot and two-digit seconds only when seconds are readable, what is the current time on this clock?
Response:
10.31
